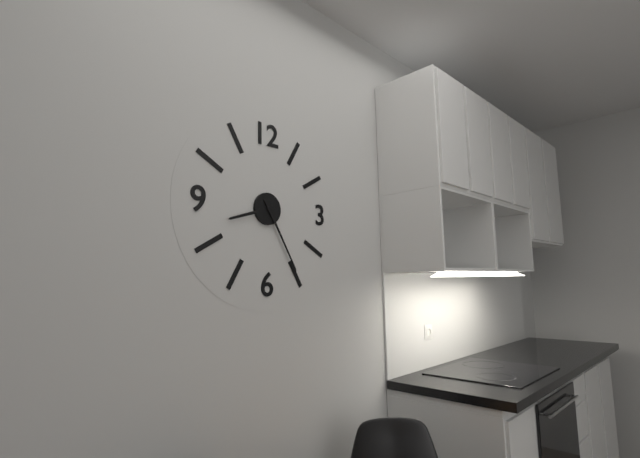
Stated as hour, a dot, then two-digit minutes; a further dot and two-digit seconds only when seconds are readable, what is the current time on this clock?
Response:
8.25
